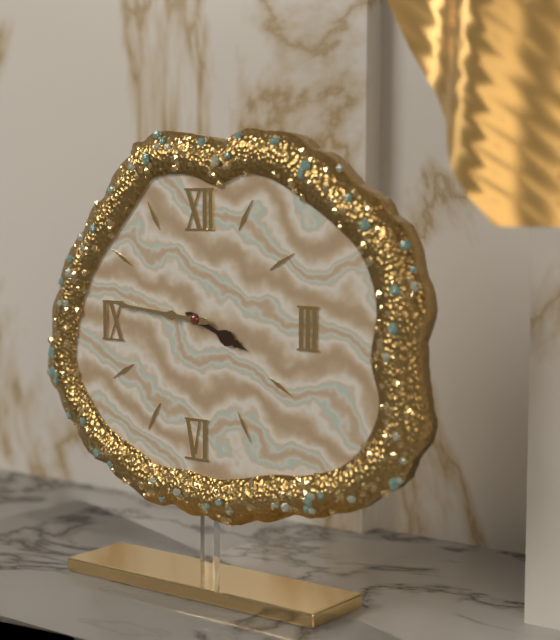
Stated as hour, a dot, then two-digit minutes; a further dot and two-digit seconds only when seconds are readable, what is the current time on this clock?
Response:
3.46
